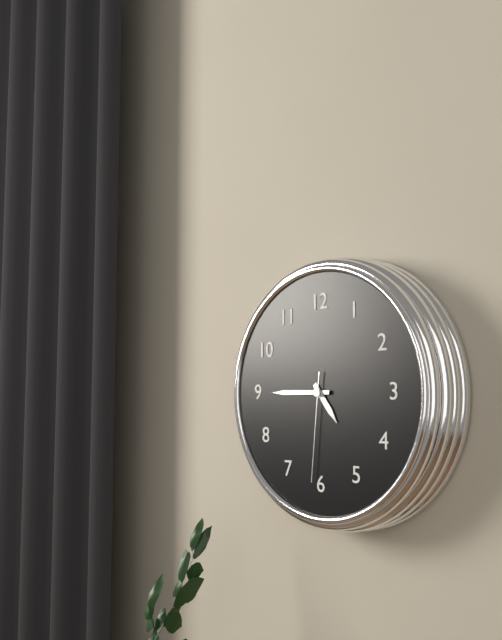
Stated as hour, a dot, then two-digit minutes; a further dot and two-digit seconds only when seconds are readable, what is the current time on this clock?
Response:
4.45.31
